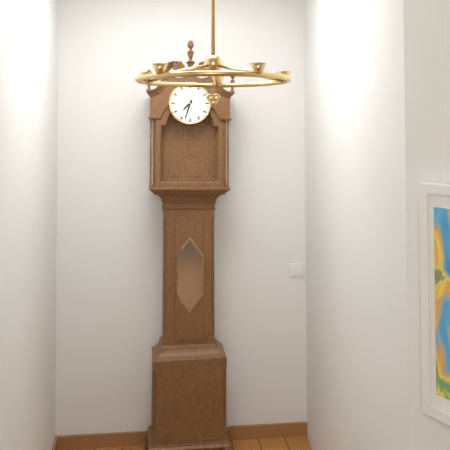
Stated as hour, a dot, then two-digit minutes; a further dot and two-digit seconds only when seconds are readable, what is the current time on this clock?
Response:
7.33
